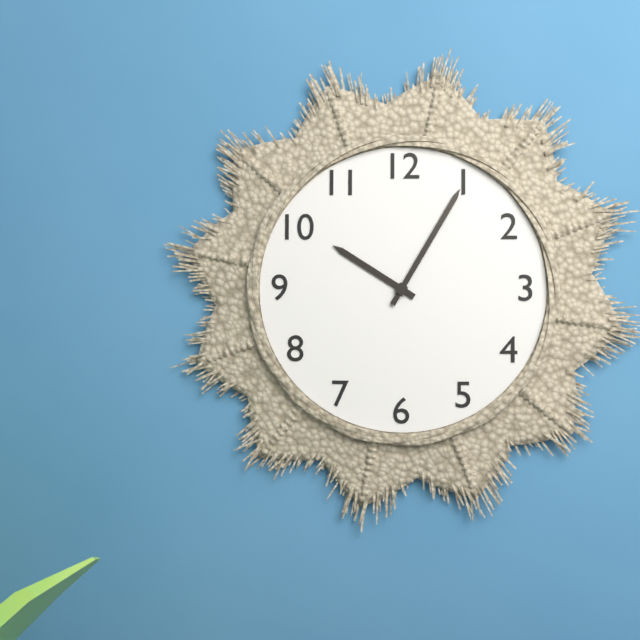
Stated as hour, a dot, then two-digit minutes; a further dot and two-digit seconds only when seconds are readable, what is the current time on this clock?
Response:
10.05
